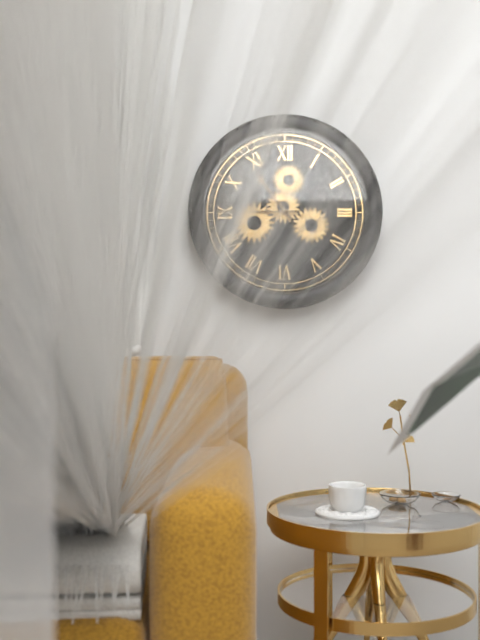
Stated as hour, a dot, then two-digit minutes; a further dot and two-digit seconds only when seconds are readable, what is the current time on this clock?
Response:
10.45
